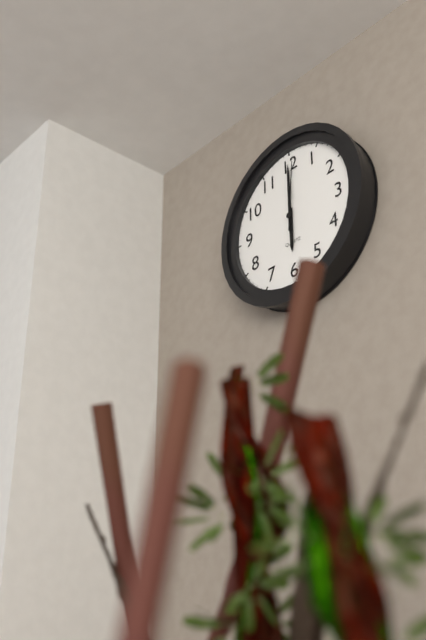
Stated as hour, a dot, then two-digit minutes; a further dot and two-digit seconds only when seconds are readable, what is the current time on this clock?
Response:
6.00.01
